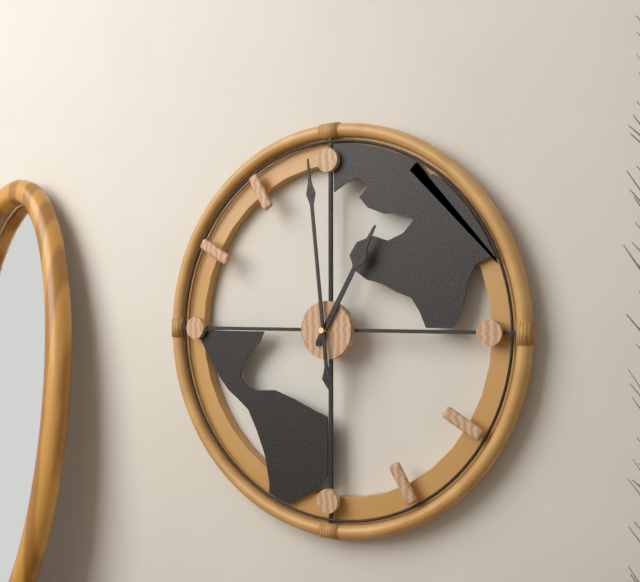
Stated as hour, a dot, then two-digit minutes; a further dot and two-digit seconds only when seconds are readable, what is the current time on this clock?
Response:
12.59
